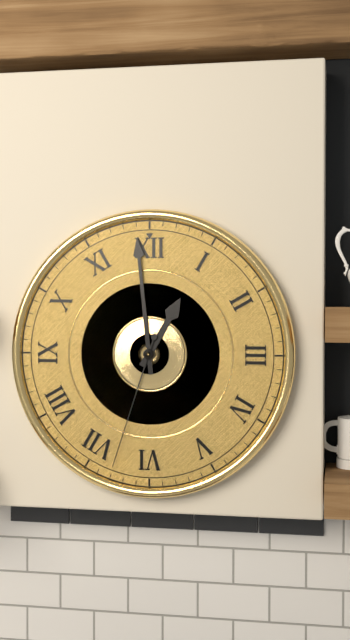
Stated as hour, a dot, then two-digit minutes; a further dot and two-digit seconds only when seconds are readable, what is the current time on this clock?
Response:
12.59.33
